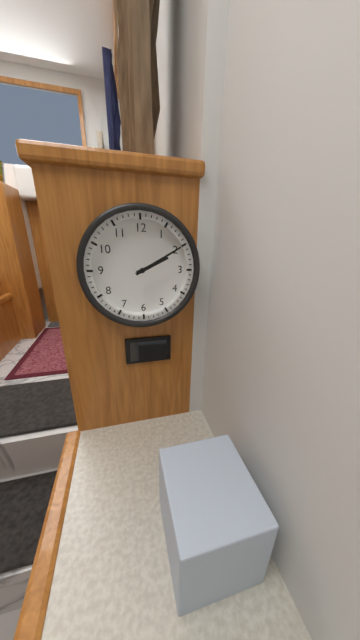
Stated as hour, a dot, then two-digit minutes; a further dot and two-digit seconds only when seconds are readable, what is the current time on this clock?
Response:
2.10
